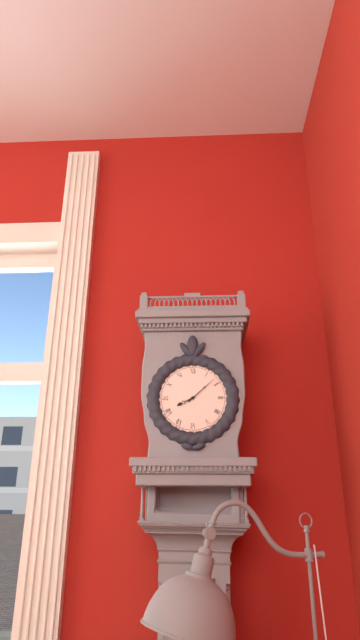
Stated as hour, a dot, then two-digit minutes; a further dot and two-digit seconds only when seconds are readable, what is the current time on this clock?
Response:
8.08
